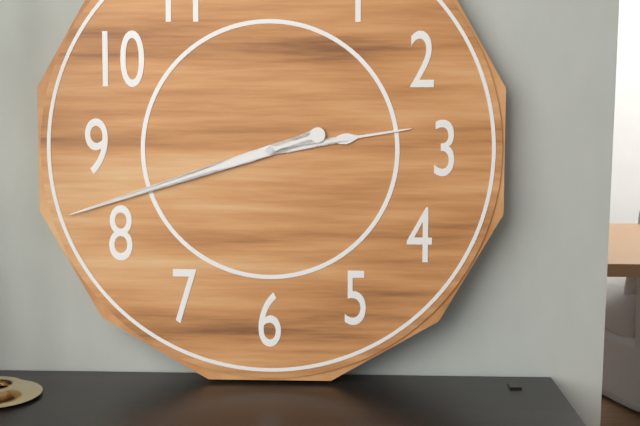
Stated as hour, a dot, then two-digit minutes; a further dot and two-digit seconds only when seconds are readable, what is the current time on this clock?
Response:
2.42
